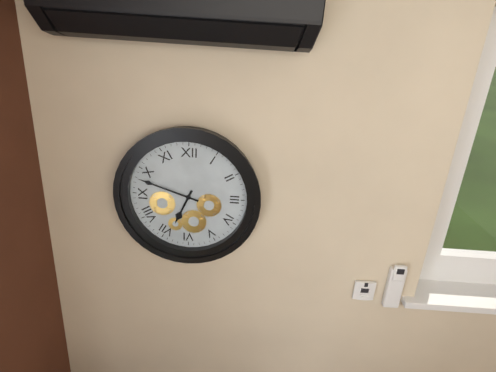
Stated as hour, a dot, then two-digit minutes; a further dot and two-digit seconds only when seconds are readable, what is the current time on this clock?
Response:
6.48
